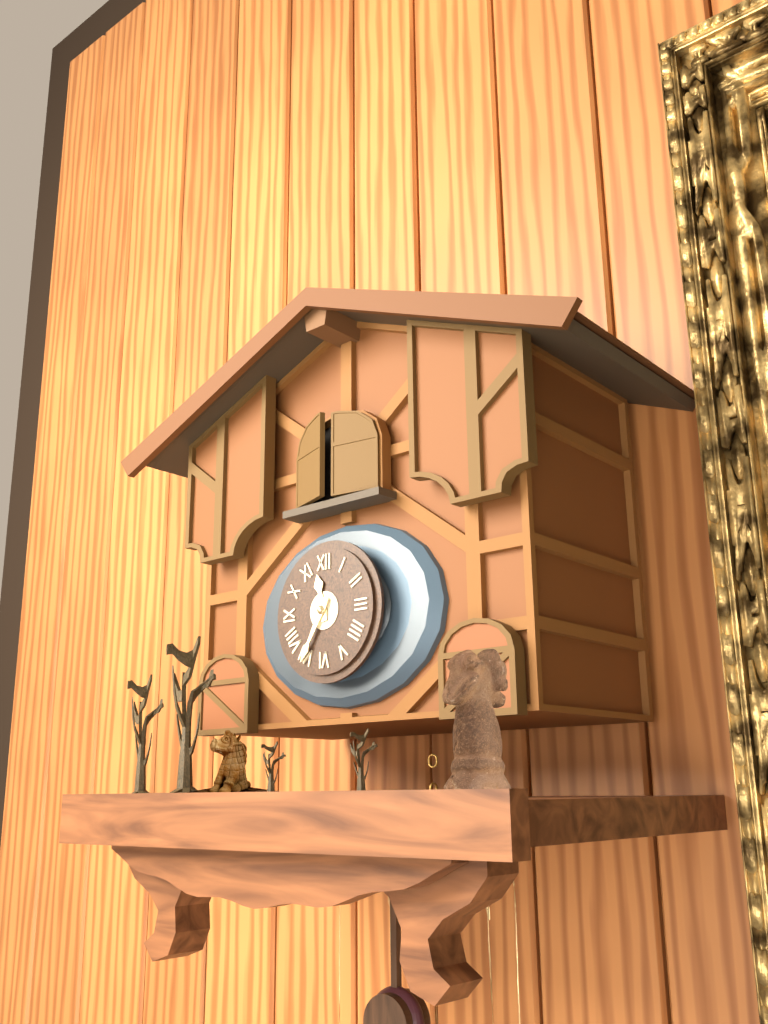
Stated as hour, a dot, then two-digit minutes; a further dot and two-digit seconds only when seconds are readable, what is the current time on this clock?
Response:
11.35
